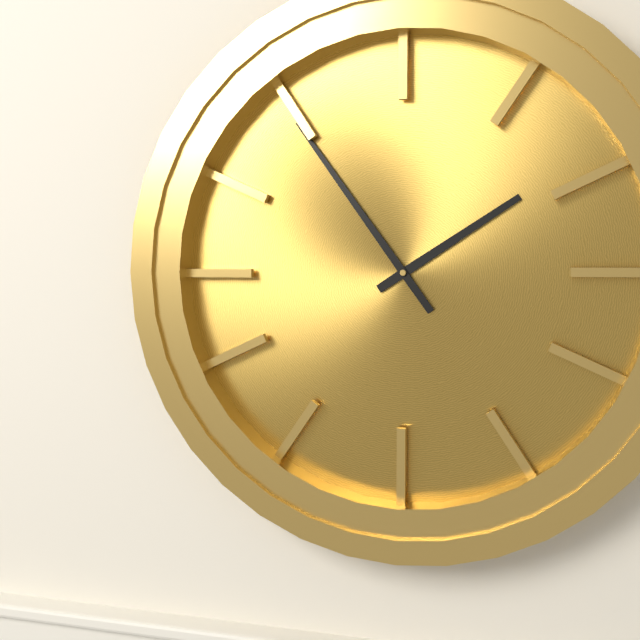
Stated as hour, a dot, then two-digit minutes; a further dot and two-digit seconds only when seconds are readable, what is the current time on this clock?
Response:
1.54
